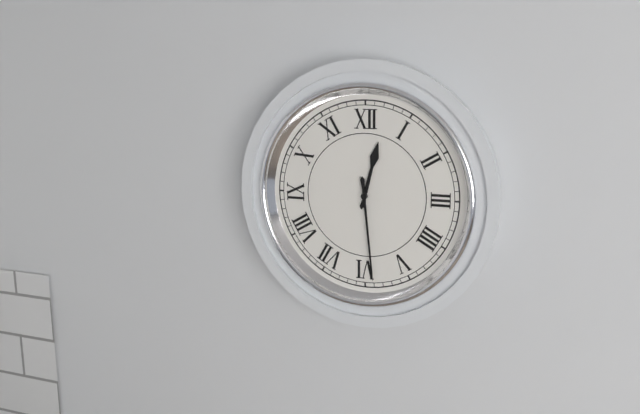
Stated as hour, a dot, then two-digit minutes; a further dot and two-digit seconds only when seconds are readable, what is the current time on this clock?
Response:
12.29
